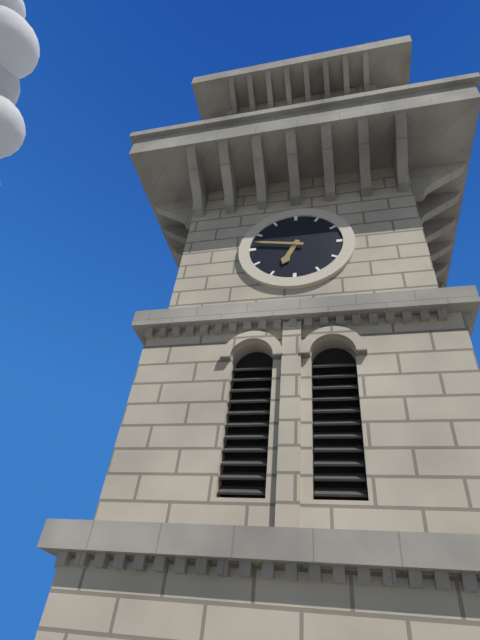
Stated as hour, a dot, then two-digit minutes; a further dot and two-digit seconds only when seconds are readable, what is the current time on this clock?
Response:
6.47
